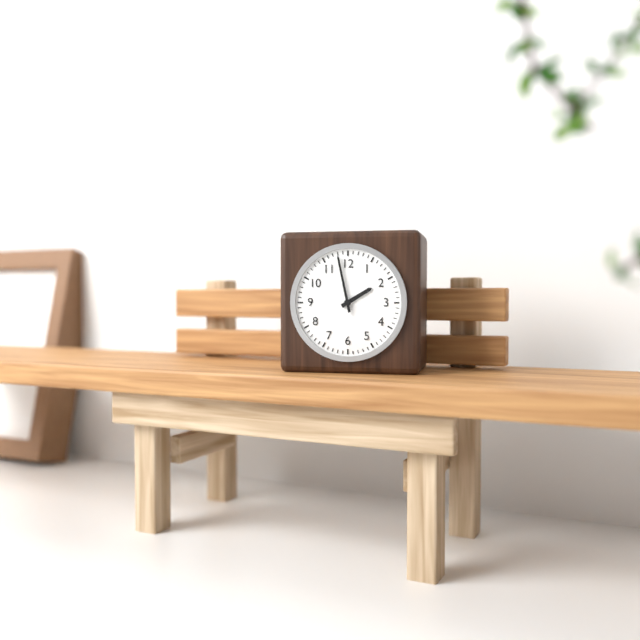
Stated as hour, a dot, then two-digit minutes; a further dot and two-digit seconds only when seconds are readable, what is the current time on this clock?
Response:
1.58
